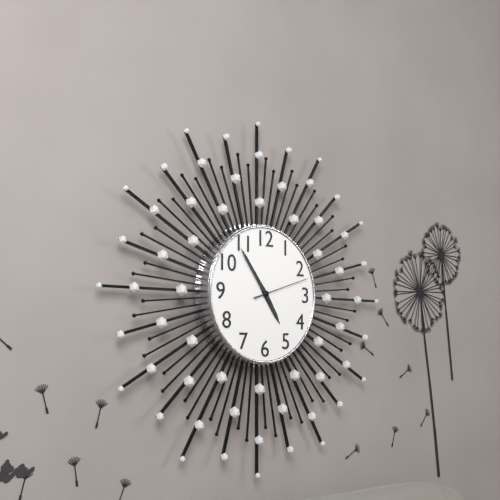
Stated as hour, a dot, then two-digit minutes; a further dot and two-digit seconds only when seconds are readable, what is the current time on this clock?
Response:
4.54.12
